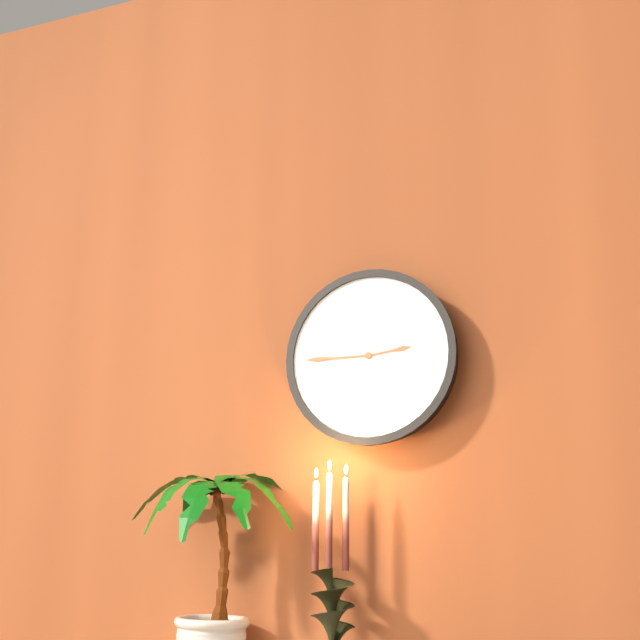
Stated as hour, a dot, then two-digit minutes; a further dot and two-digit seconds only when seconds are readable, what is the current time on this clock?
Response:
2.45
